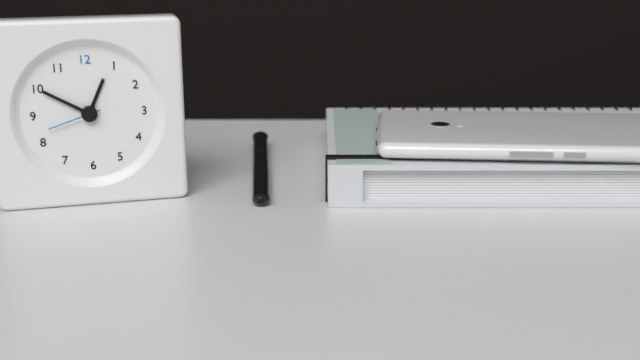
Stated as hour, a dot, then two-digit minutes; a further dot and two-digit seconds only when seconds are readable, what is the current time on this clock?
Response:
12.50.42
